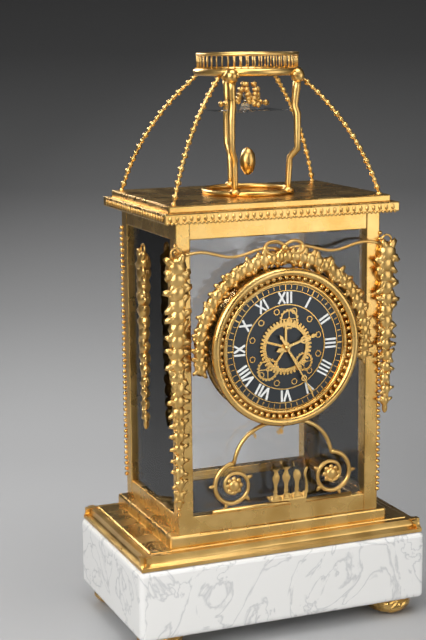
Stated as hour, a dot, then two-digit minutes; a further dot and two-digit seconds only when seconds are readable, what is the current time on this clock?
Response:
2.25
